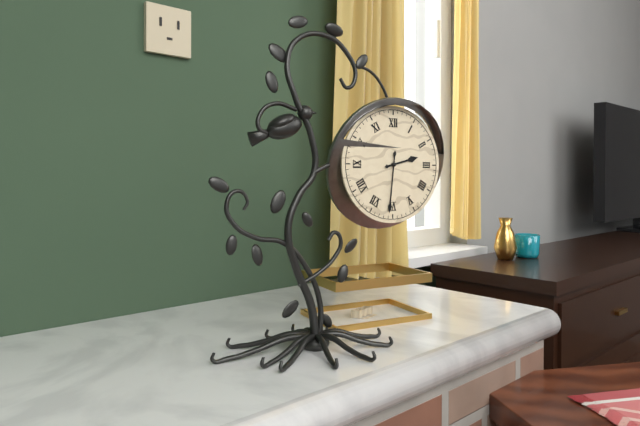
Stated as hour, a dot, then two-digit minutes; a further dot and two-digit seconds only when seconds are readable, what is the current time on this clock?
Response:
2.31
